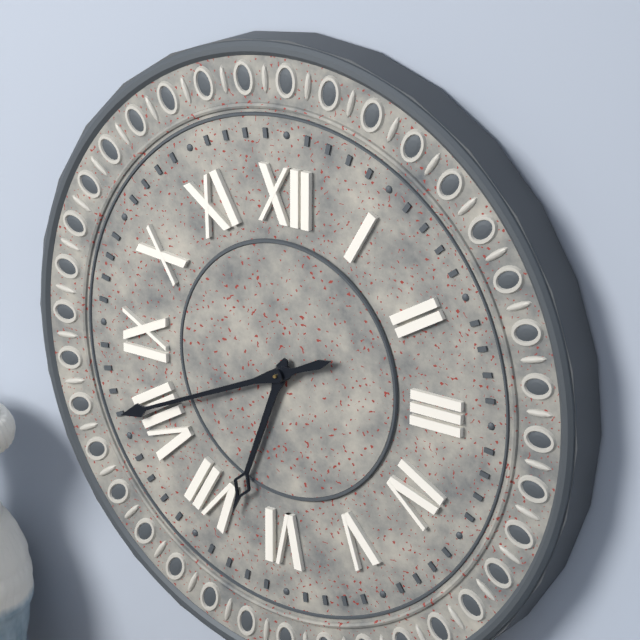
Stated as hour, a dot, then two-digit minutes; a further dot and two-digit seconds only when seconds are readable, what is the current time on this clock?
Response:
6.41
